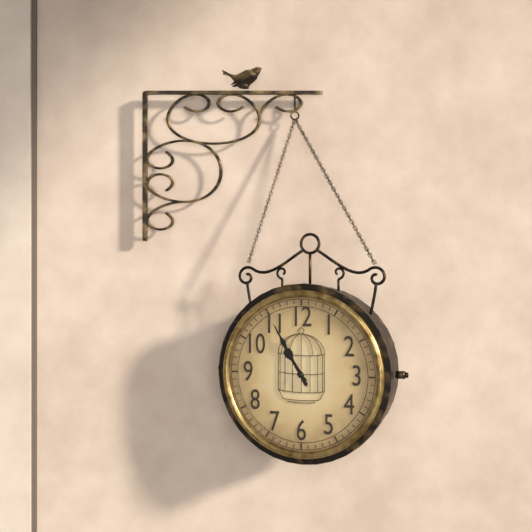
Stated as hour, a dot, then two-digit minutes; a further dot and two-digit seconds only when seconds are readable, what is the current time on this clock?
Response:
10.55
